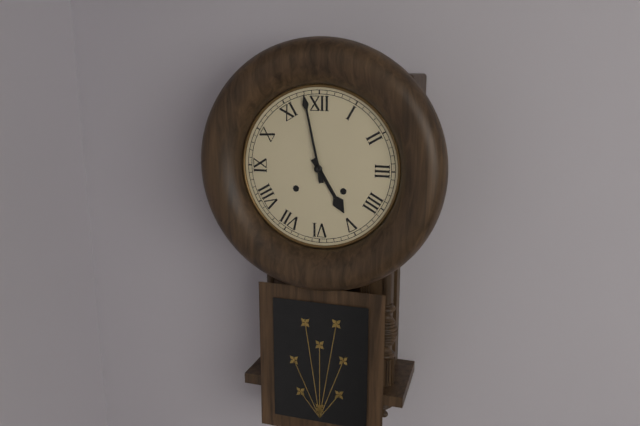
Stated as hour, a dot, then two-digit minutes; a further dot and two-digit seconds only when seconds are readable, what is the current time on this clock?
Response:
4.58
